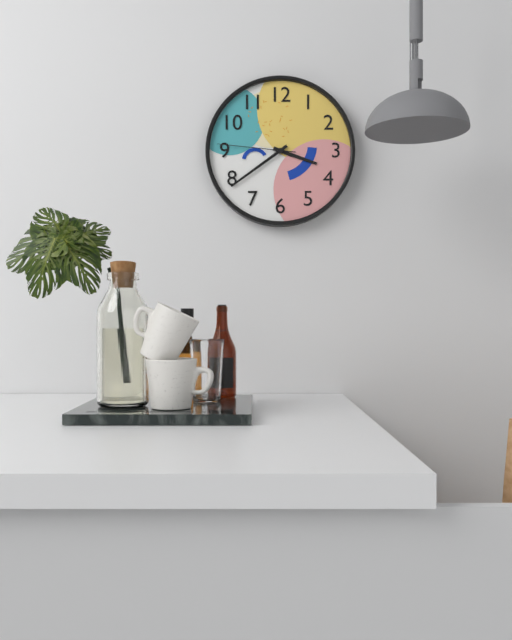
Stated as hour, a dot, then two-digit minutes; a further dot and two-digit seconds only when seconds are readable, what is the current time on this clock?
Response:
3.39.46
